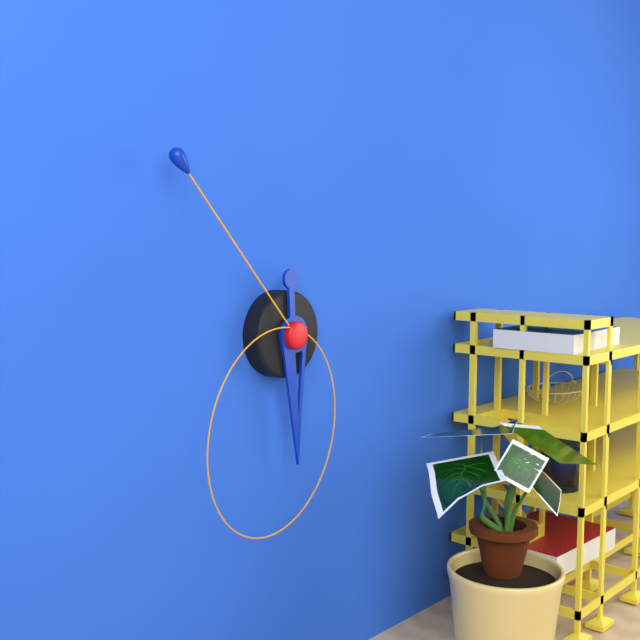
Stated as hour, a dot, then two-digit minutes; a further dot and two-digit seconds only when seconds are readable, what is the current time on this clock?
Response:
5.53.33
